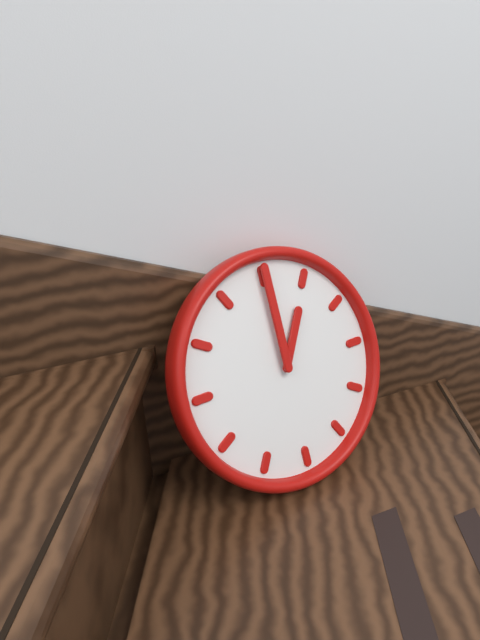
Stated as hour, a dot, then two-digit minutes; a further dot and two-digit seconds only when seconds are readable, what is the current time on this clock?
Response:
1.00
